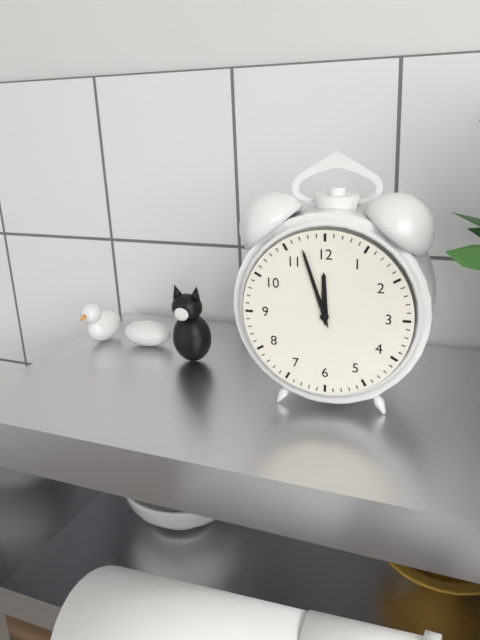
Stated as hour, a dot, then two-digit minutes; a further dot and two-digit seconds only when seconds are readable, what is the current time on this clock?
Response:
11.57
